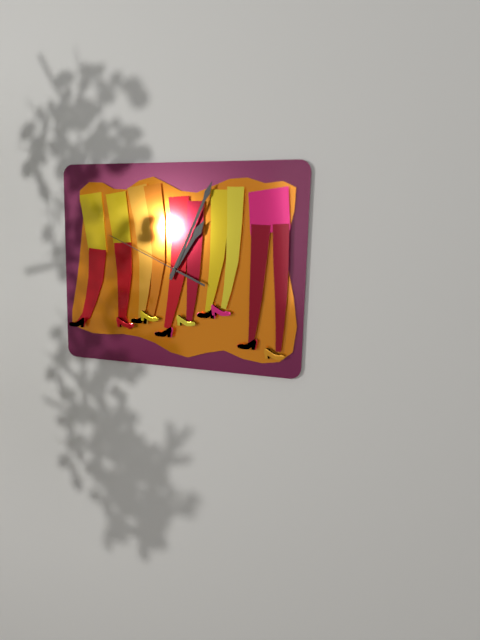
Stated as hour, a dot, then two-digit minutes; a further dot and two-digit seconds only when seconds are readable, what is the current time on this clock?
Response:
1.04.49
